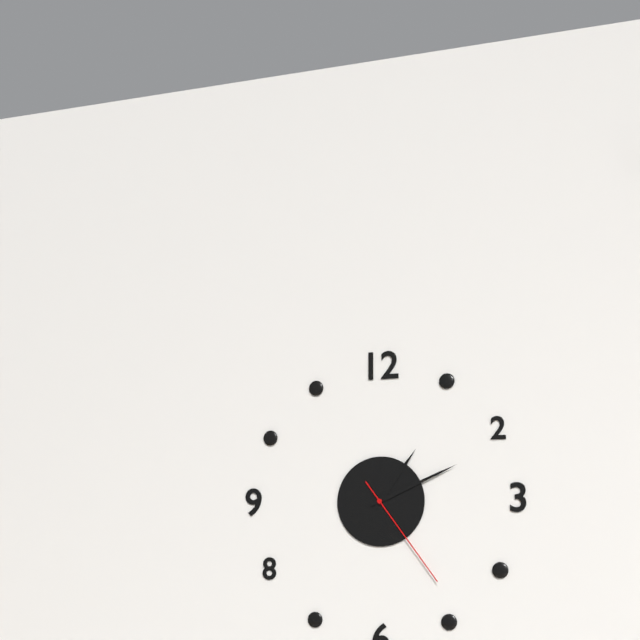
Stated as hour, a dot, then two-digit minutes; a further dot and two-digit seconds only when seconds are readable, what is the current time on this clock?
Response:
1.11.24
